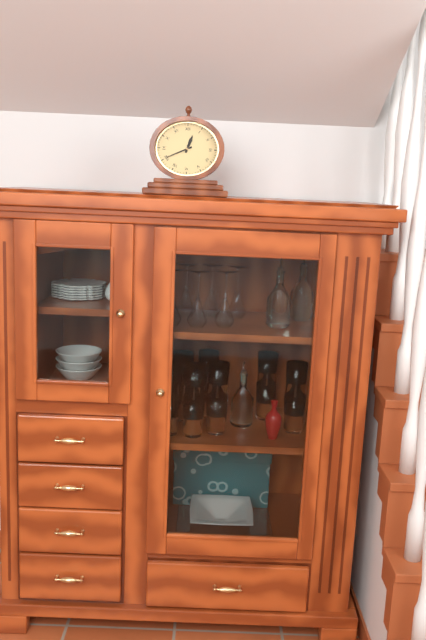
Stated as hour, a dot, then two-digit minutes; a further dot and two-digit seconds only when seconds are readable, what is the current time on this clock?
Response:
12.41
